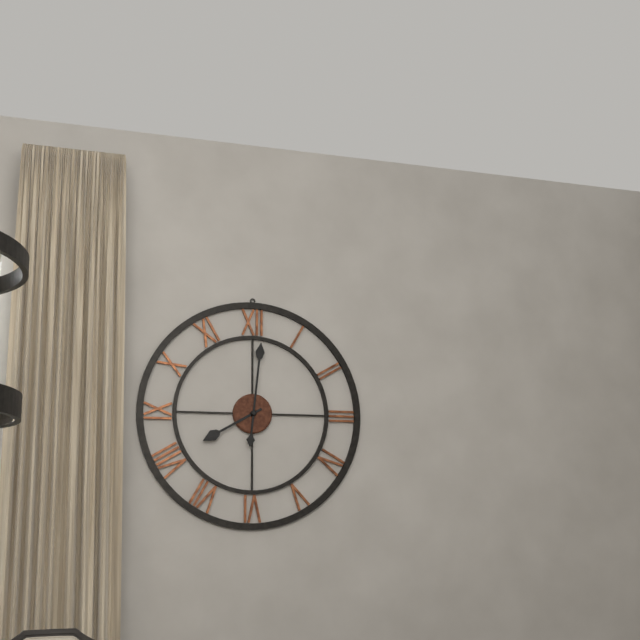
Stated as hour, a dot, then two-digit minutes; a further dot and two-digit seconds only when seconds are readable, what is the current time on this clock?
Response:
8.01
